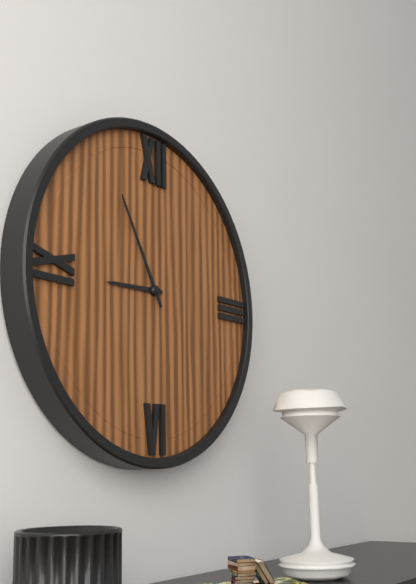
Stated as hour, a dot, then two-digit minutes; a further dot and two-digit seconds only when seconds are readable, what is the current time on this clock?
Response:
8.55
